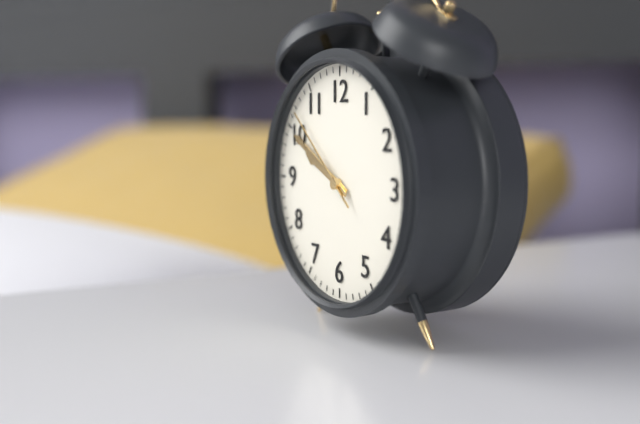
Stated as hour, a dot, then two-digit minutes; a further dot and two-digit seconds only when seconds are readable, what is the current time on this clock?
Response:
9.50.52
